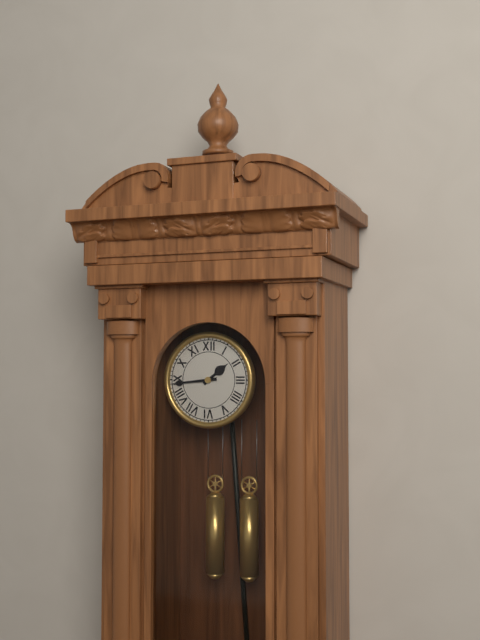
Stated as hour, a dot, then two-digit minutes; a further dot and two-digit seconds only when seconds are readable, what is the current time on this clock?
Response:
1.44
